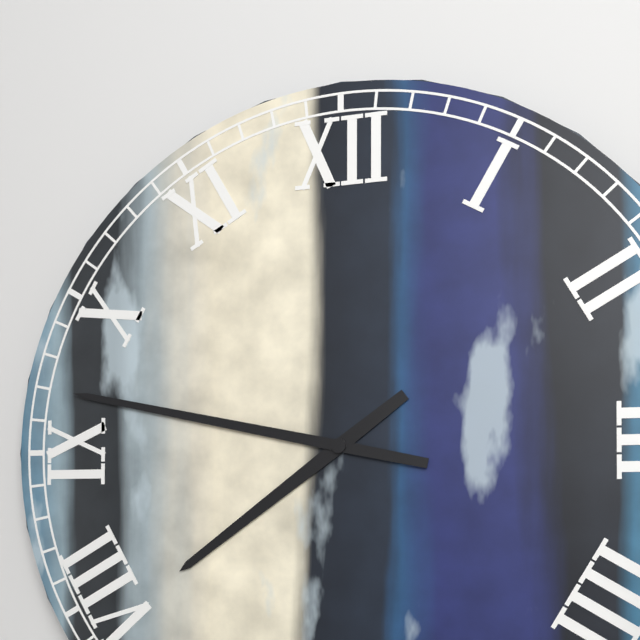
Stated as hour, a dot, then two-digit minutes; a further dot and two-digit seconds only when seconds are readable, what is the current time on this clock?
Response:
7.47
